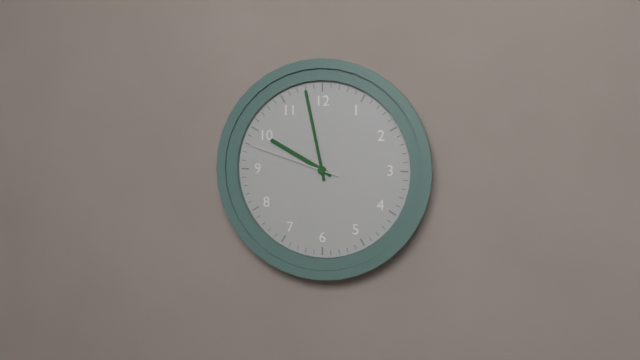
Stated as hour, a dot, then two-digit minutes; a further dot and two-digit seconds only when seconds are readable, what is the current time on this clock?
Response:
9.58.48
